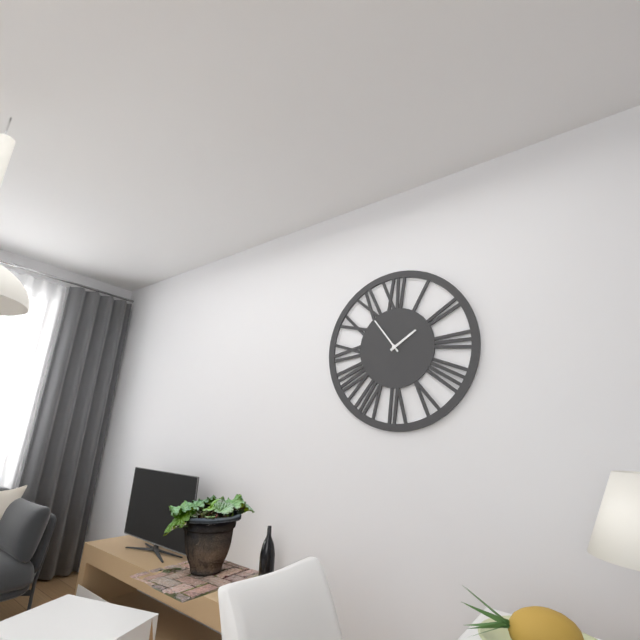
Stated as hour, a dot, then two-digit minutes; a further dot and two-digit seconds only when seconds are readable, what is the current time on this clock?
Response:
1.54
